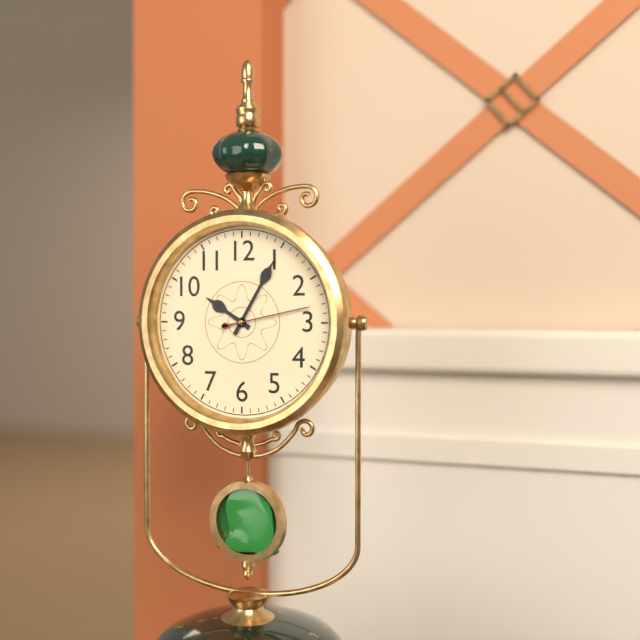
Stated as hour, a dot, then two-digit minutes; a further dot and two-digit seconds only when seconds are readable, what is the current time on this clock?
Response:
10.05.13
